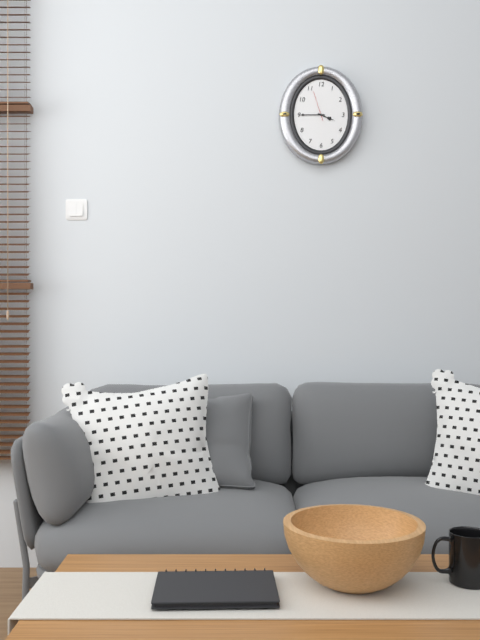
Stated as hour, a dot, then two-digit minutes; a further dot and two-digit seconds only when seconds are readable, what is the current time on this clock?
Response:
3.45
